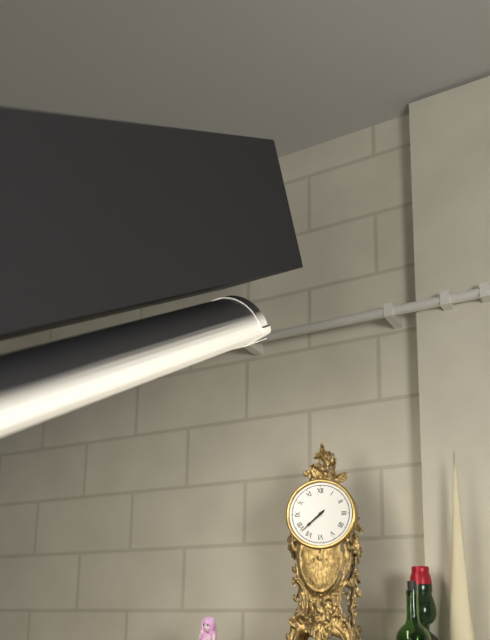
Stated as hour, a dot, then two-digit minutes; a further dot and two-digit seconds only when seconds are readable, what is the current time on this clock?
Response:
7.38
